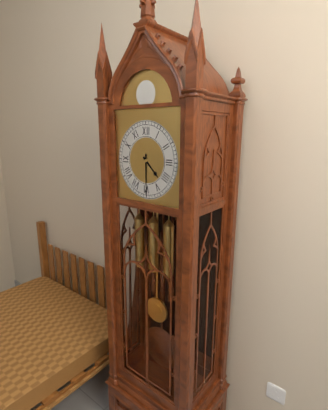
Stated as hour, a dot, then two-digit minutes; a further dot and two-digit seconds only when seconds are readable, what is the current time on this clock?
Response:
4.30
